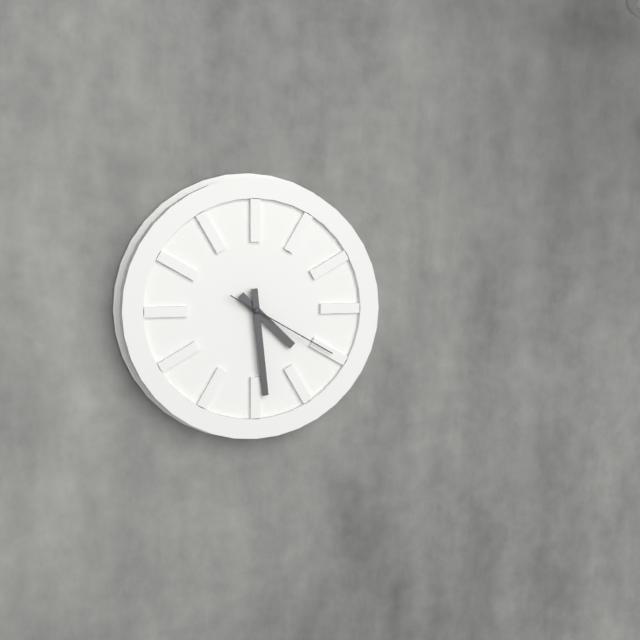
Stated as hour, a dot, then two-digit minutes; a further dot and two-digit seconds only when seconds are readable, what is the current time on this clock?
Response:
4.29.20
